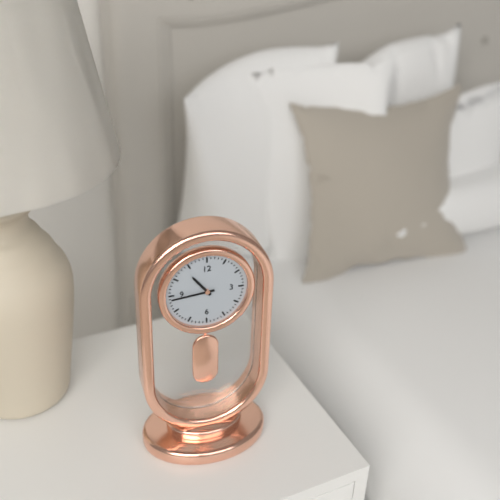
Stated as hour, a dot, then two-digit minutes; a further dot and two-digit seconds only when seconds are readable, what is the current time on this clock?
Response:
10.44
